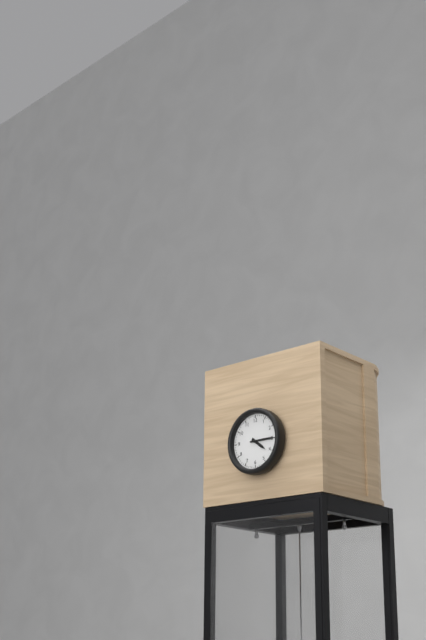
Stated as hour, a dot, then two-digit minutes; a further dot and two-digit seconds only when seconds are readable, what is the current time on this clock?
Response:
4.15
